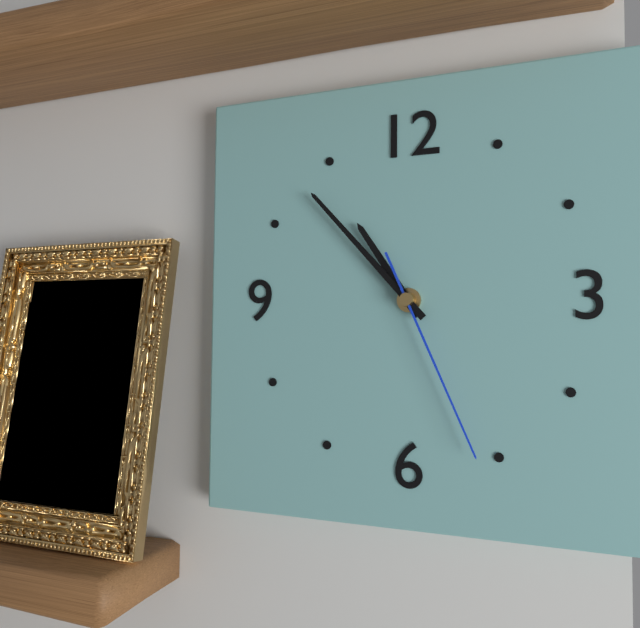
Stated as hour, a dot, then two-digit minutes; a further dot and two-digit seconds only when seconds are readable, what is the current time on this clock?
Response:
10.53.26
